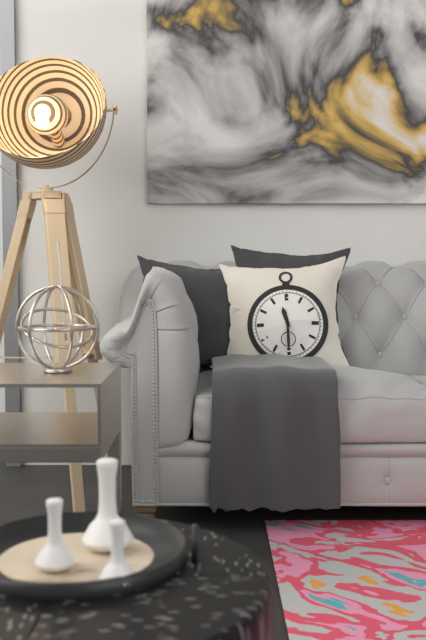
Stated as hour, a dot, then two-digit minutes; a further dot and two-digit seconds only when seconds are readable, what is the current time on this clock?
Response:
11.30
